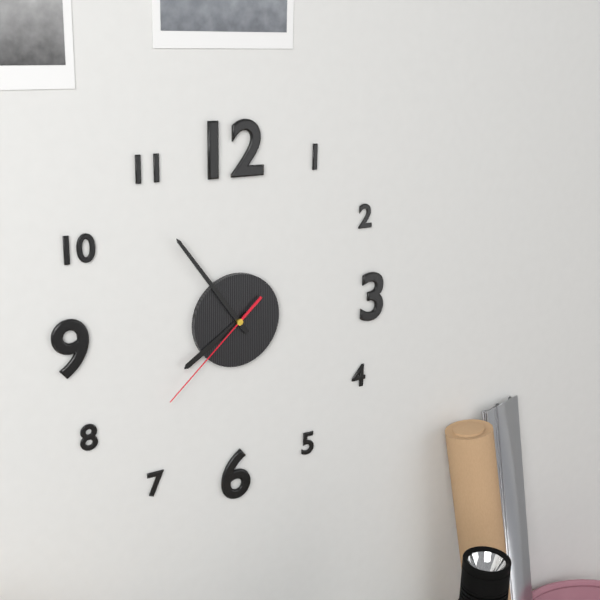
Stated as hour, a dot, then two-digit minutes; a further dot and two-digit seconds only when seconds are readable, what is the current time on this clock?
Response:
7.54.38
